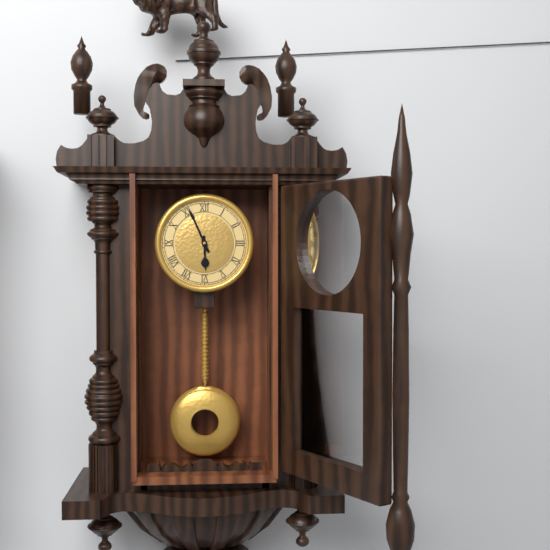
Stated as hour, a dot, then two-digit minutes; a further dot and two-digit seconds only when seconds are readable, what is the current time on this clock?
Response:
5.56
